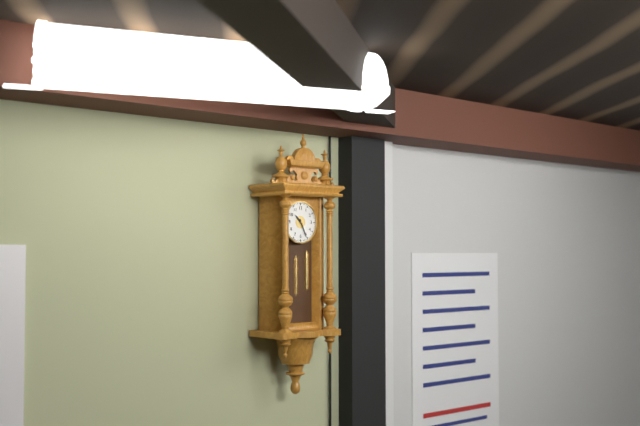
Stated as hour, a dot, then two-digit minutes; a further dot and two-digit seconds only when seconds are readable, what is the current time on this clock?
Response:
10.26
